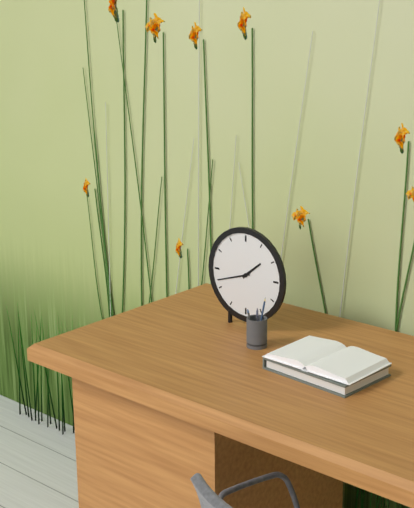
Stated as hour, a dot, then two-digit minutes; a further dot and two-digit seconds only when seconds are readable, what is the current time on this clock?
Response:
1.42
